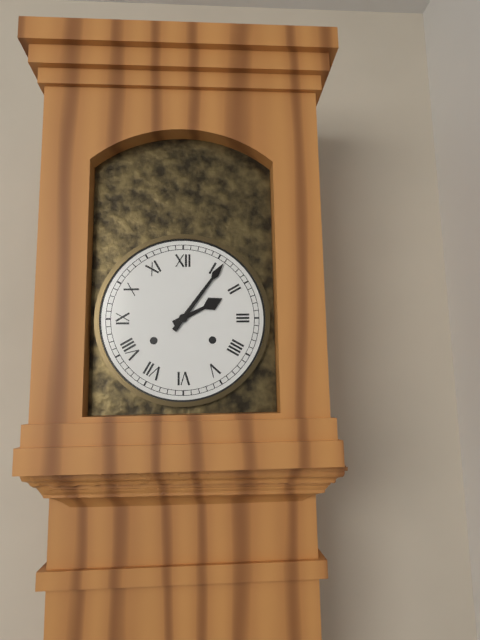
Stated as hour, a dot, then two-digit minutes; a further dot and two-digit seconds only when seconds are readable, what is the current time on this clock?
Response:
2.06
